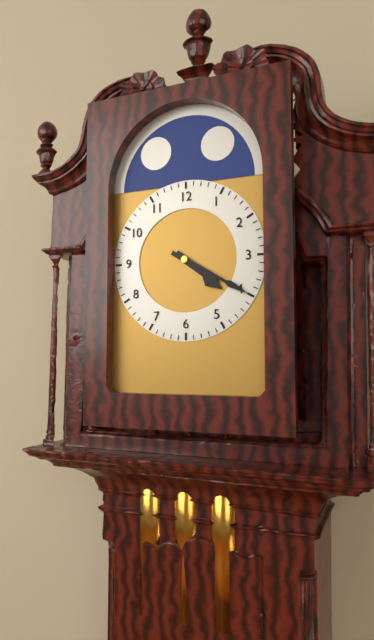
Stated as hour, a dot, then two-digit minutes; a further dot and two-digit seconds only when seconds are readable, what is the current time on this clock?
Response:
4.20
